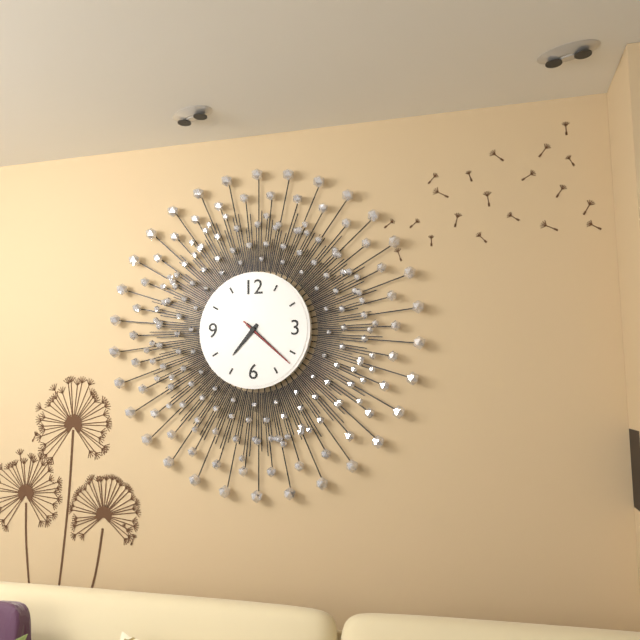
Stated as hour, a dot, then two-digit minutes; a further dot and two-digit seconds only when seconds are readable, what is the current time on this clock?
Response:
7.22.22
